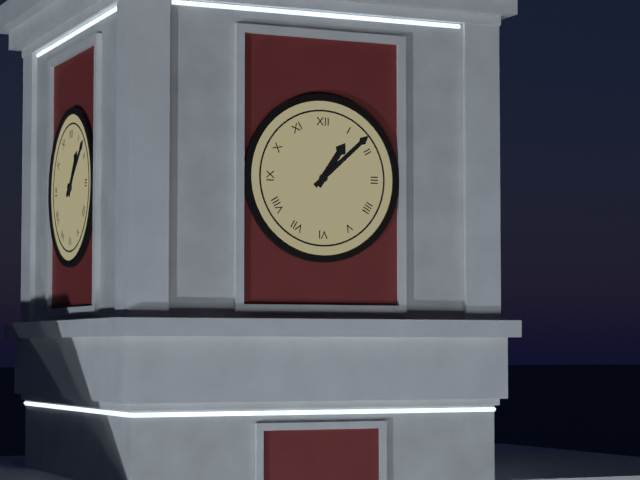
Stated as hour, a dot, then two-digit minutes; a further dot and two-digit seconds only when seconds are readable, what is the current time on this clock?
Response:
1.08
